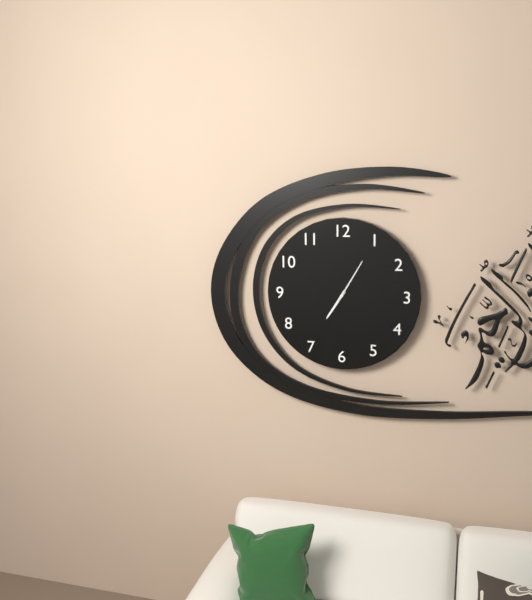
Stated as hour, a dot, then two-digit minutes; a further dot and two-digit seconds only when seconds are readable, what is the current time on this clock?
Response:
7.05
